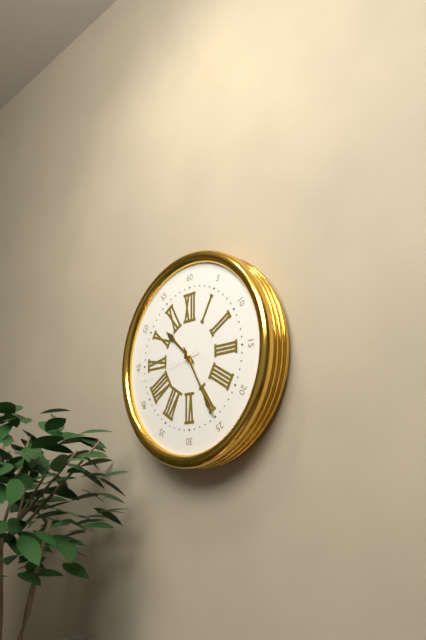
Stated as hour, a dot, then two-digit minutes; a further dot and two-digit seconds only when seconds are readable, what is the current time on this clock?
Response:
10.25.43
